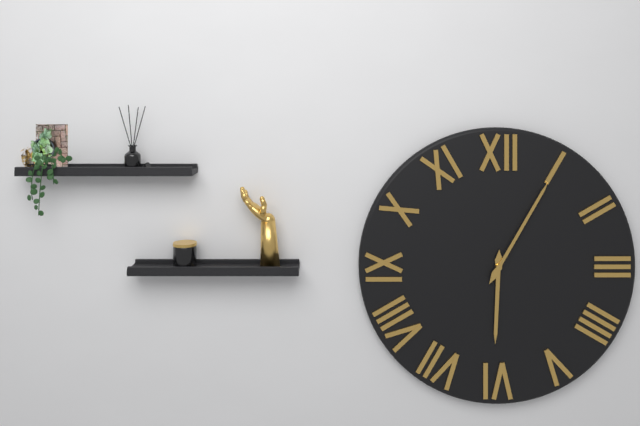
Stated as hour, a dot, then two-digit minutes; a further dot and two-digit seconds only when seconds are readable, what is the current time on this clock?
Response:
6.05
